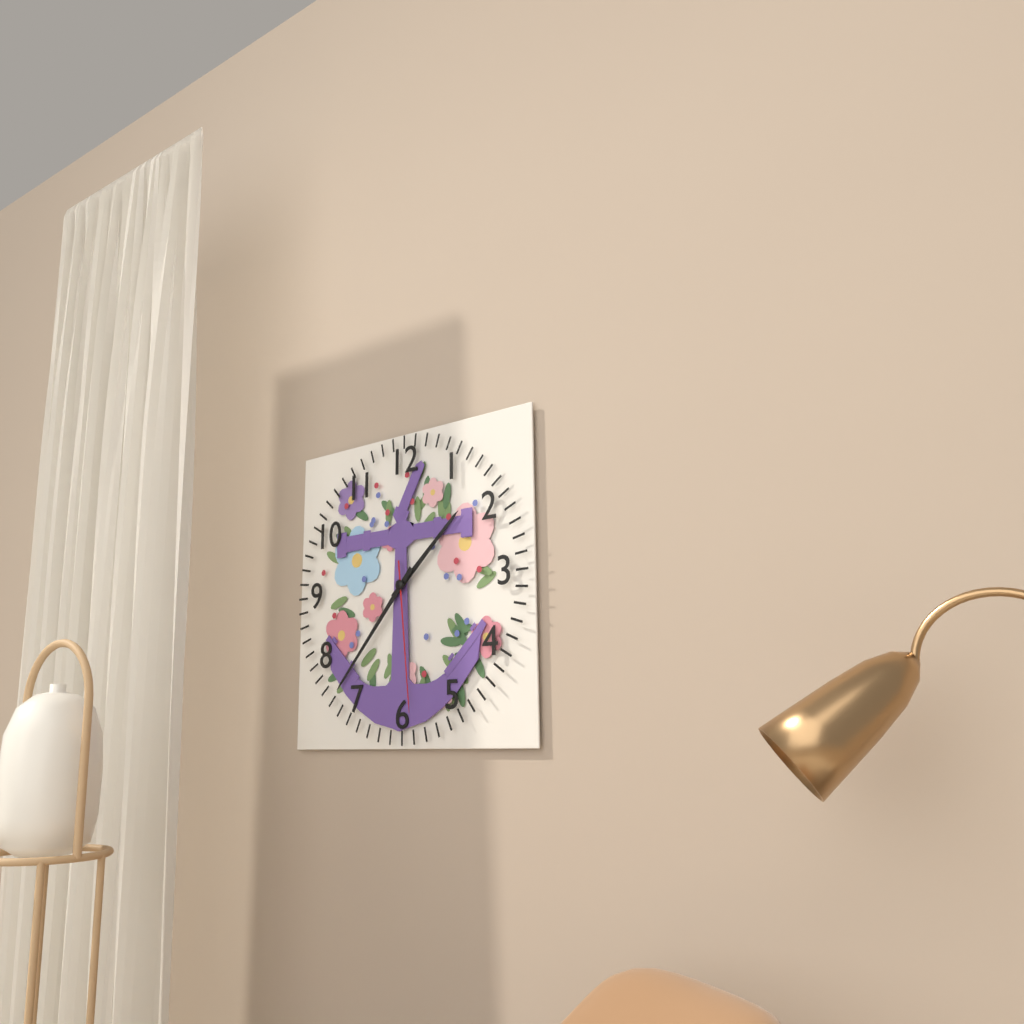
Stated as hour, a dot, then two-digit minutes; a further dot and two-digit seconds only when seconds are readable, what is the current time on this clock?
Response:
1.37.29
